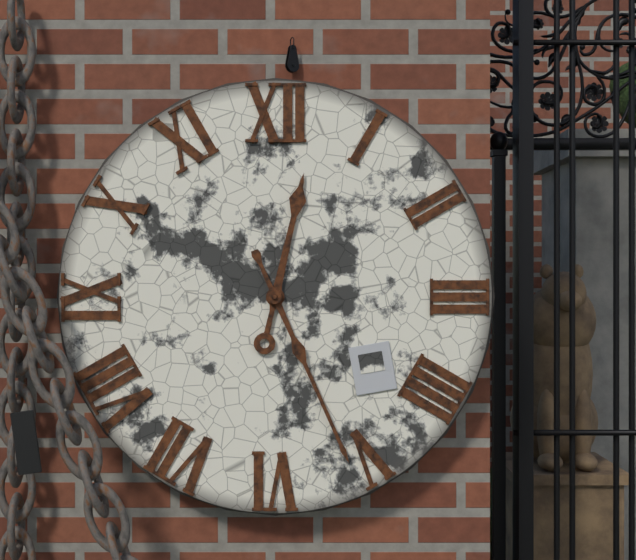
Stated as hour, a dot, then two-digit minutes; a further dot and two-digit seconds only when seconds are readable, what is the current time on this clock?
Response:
12.26
